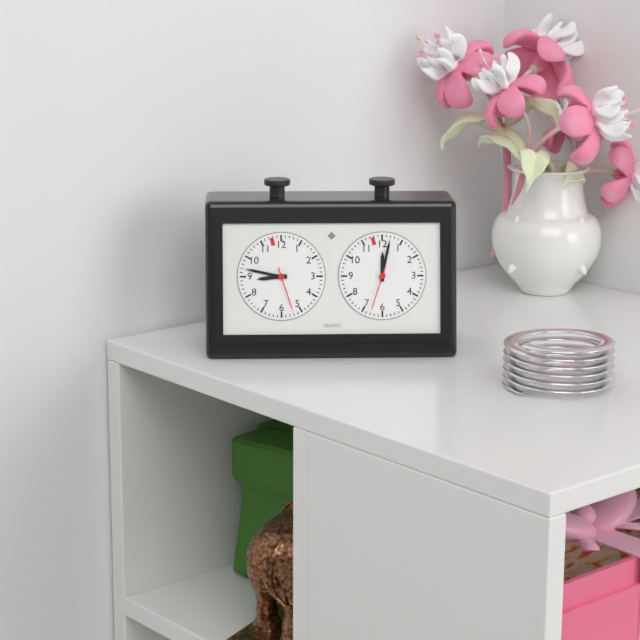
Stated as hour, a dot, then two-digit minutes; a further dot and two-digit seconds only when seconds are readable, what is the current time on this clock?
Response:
8.47
